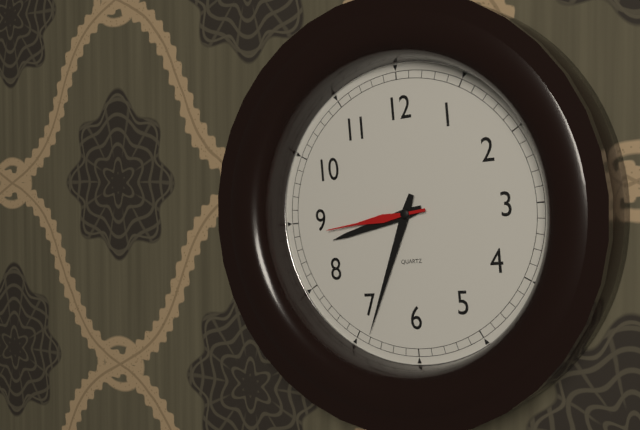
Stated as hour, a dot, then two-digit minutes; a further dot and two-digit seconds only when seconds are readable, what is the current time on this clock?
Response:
8.34.44
